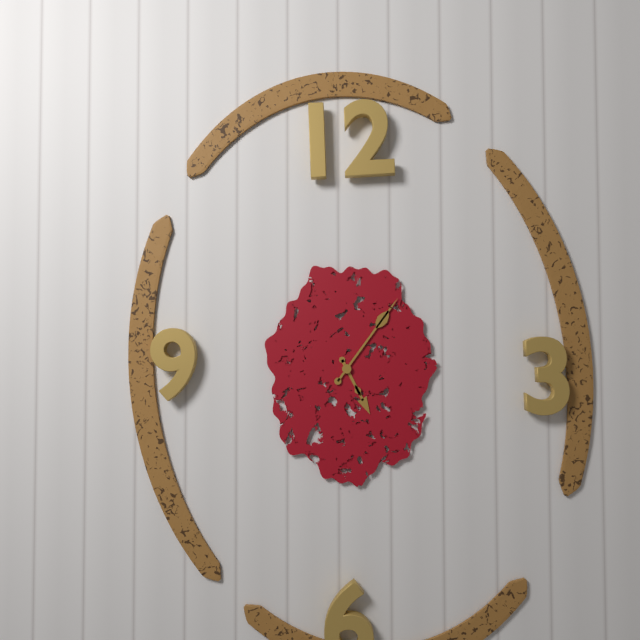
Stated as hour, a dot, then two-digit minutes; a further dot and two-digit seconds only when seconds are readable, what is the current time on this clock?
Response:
5.06
